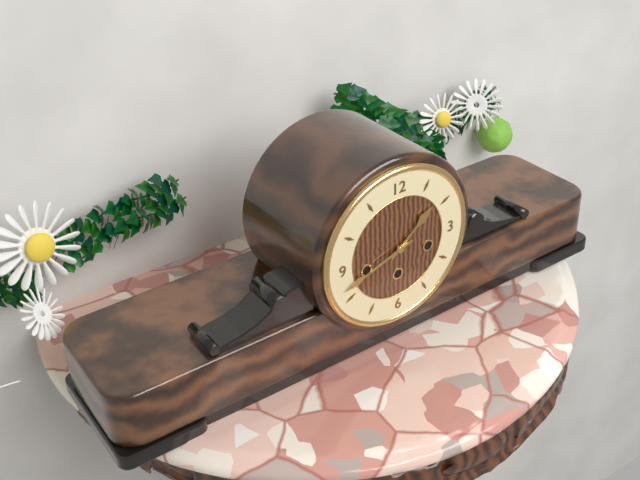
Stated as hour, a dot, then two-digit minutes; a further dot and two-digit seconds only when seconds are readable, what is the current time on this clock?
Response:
1.42
